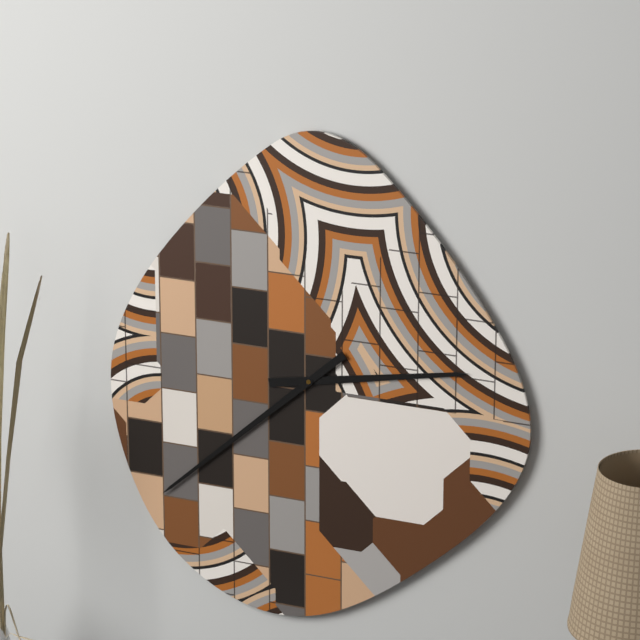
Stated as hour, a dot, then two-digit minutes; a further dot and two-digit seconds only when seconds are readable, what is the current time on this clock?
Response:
2.38
